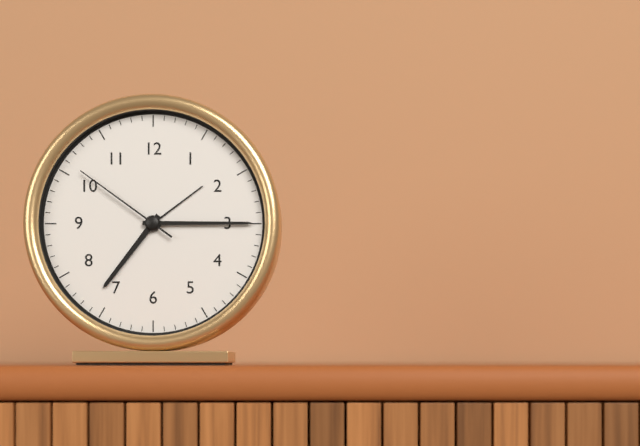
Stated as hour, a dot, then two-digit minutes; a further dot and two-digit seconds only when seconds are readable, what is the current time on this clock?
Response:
7.15.51
